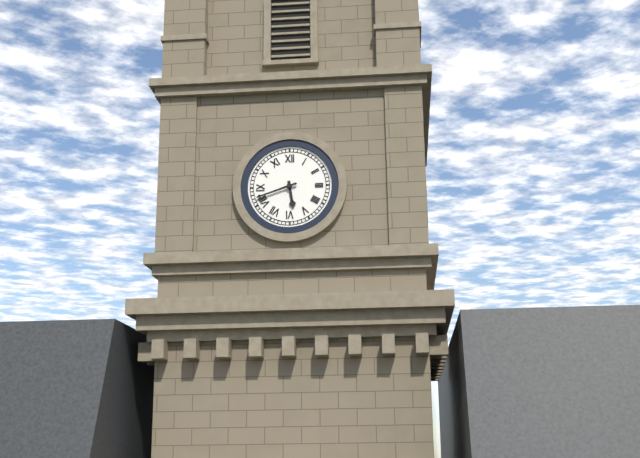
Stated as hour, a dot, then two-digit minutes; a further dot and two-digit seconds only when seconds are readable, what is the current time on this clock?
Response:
5.42
